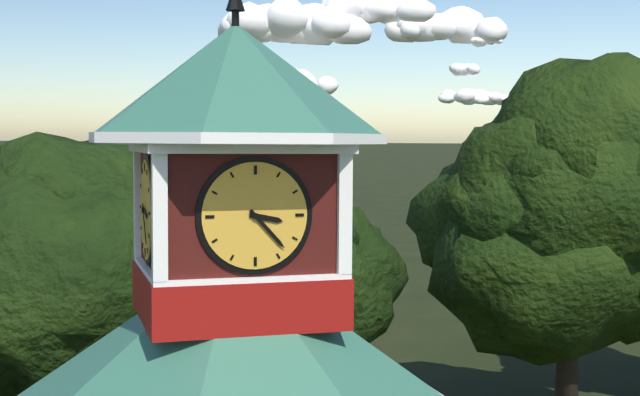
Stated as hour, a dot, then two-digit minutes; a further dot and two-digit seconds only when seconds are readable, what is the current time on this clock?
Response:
3.23
